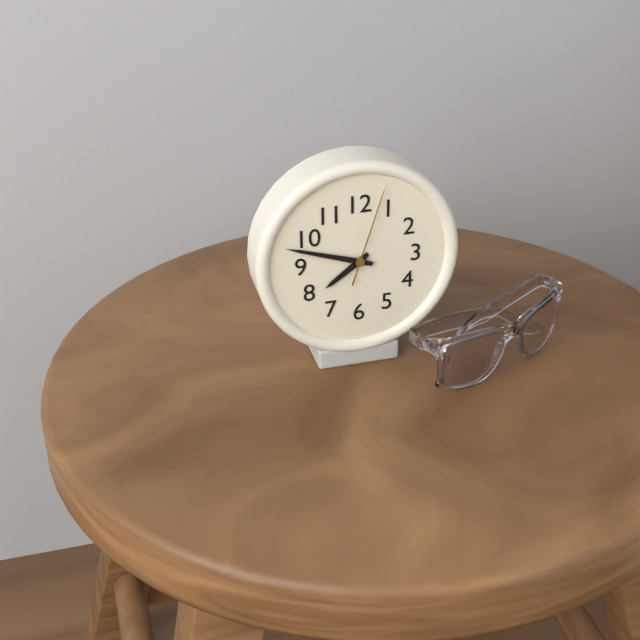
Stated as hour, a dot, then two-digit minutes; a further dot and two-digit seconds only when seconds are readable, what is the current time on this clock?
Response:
7.48.03
